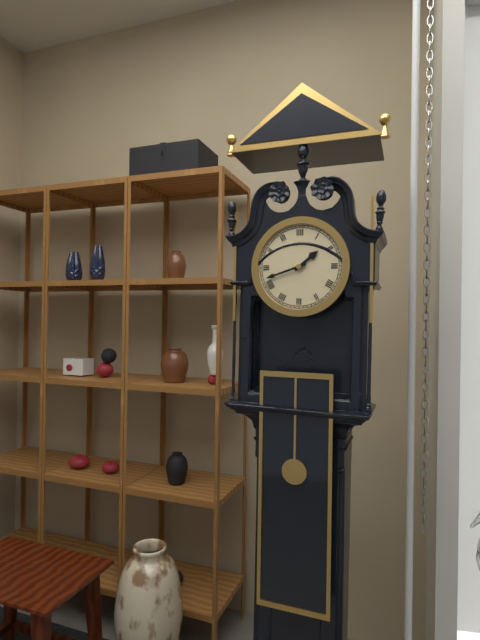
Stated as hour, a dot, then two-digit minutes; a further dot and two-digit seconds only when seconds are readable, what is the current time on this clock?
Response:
1.42
